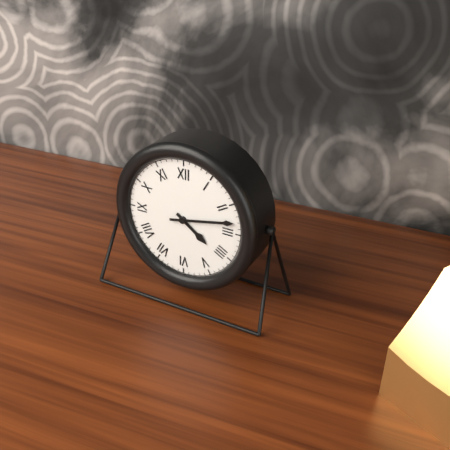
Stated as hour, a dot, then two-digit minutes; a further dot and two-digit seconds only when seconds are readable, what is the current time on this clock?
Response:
4.13
